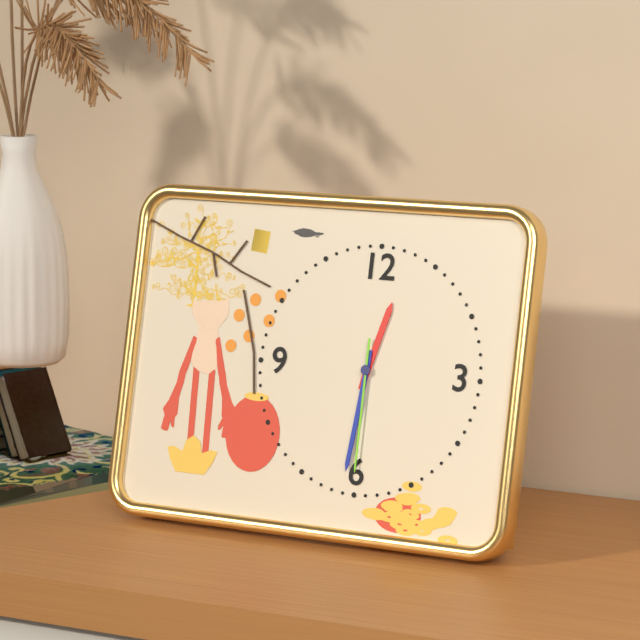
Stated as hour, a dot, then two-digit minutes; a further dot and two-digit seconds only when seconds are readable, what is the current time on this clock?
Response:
12.31.30
